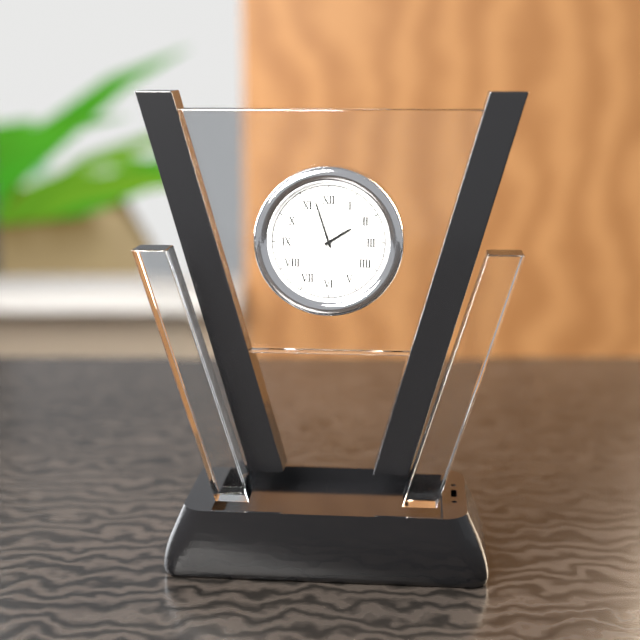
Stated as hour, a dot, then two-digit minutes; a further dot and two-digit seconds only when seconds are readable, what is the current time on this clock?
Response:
1.57.09
